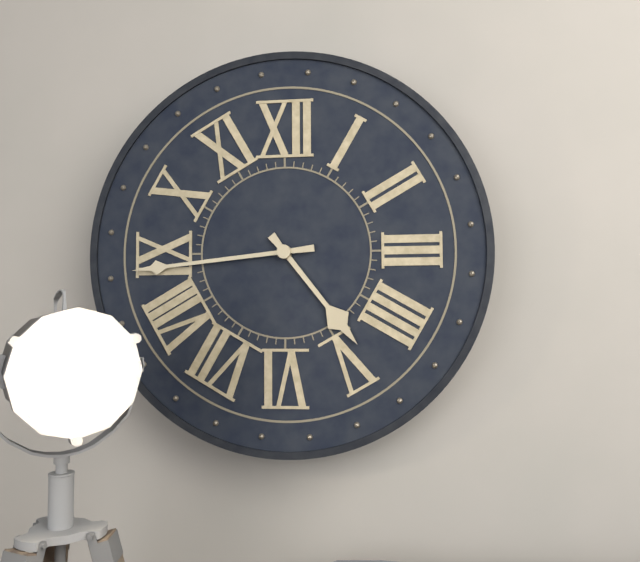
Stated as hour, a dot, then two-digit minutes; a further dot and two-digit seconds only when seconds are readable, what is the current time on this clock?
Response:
4.44
